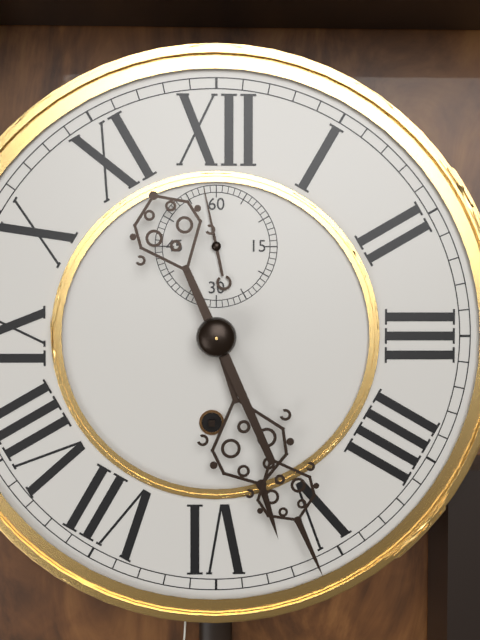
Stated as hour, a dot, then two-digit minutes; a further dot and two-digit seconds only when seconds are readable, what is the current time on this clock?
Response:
5.26.58
